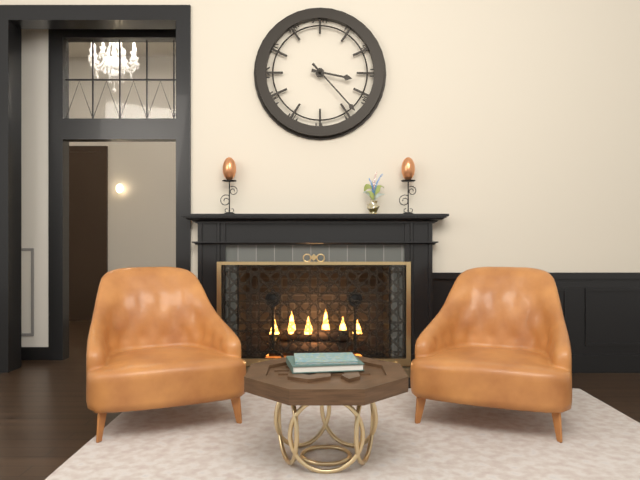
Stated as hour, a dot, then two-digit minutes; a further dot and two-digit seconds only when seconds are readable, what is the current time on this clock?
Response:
3.23
